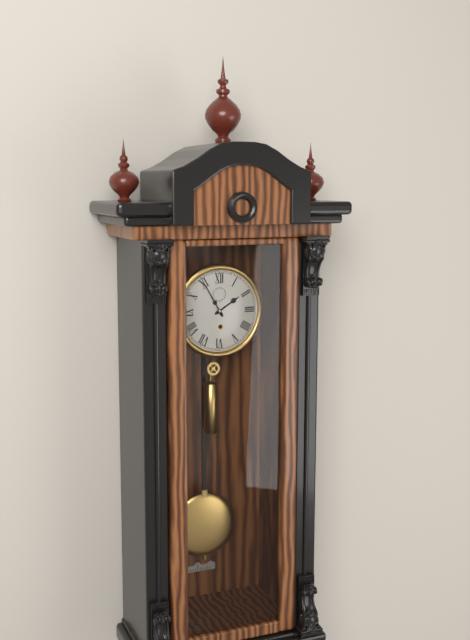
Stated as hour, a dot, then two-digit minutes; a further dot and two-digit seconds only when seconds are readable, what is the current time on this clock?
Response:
1.55
